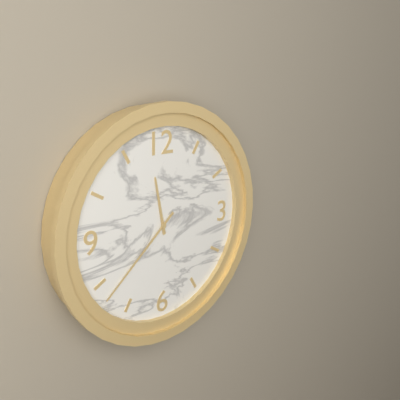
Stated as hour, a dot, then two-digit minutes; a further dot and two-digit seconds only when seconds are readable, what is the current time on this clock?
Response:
11.38
